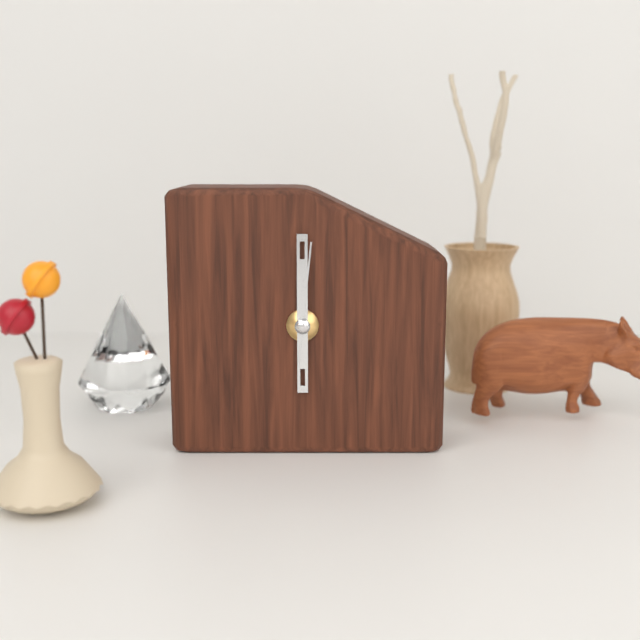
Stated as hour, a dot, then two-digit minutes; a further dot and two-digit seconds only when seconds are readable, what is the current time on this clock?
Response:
6.00.01
